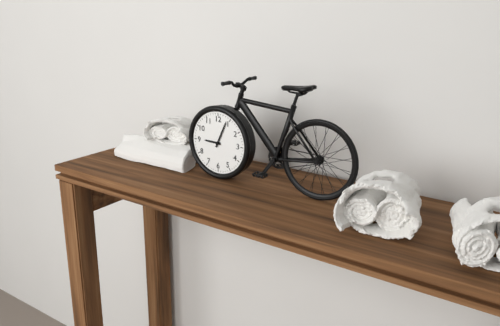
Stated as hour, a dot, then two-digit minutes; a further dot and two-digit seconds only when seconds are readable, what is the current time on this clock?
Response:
9.04
